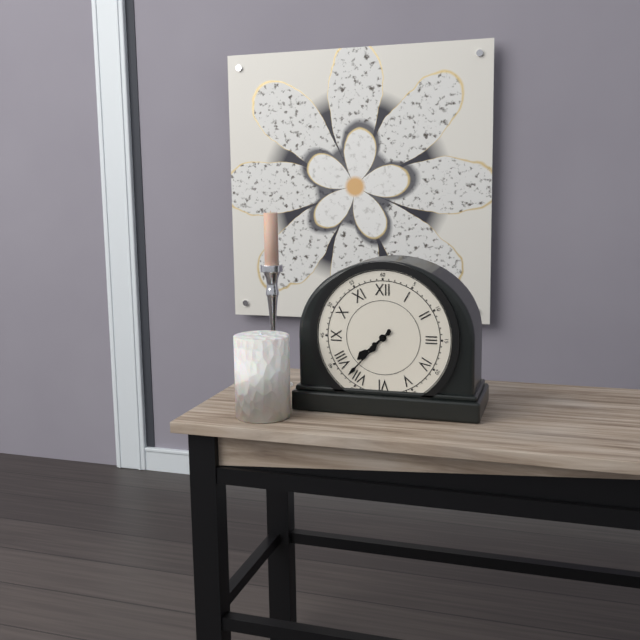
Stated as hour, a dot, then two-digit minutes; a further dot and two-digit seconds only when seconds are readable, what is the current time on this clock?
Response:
7.37
